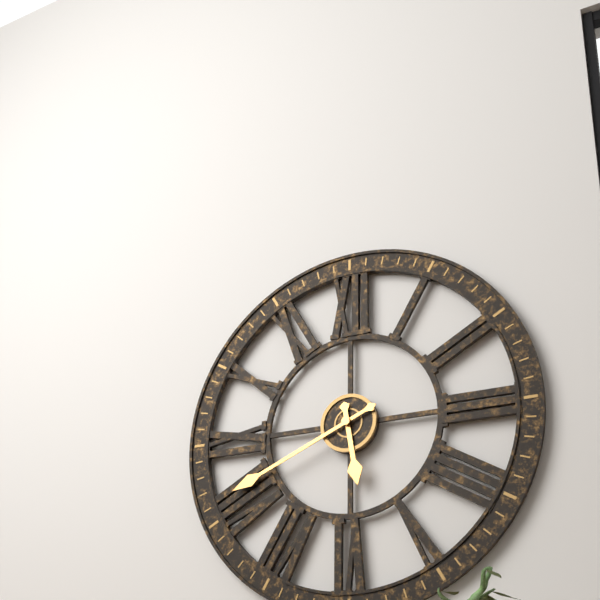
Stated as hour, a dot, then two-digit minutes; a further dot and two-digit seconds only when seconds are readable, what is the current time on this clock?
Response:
5.41
